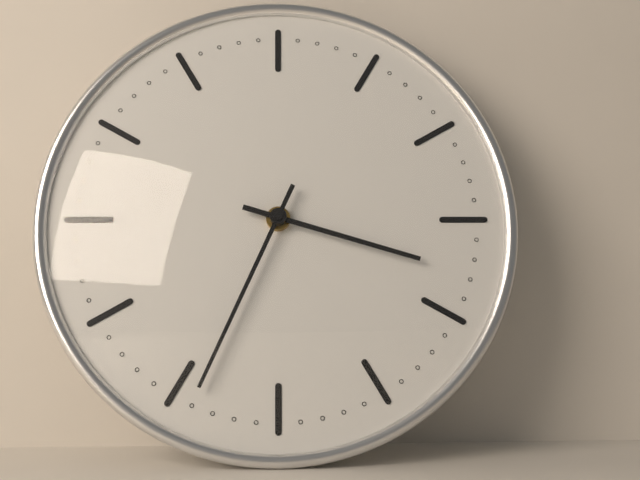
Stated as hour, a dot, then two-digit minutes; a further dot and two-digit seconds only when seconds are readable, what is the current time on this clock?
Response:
3.34
